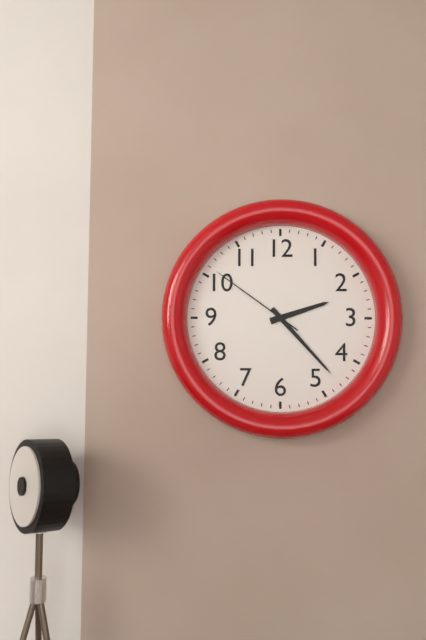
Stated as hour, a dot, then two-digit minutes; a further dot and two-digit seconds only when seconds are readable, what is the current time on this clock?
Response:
2.23.51
